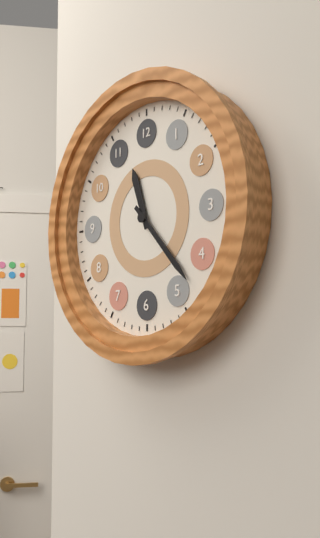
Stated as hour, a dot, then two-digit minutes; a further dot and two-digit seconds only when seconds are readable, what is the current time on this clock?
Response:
11.23
